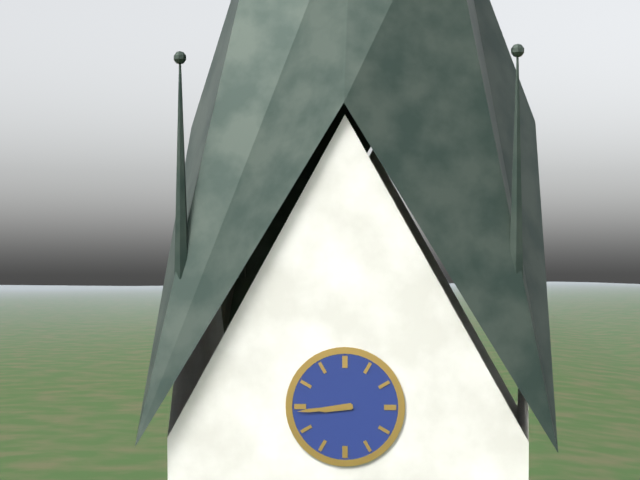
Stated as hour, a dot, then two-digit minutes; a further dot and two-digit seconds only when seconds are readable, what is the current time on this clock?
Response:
8.44
